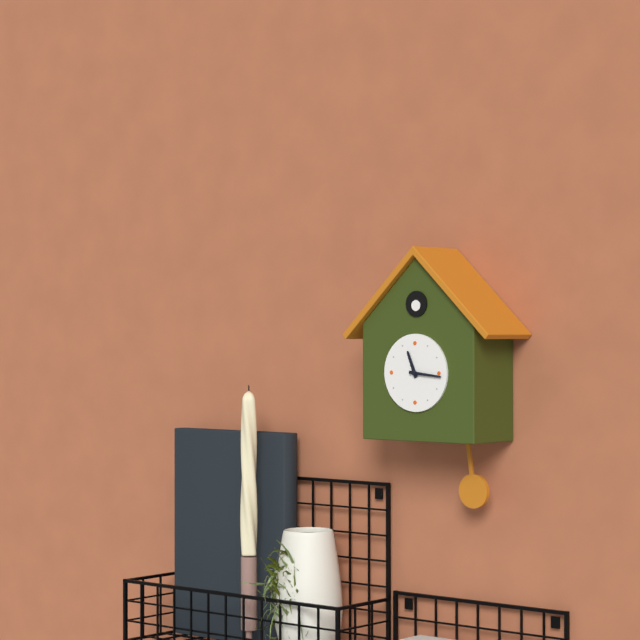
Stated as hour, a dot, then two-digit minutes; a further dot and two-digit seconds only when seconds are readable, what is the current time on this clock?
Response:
11.16
